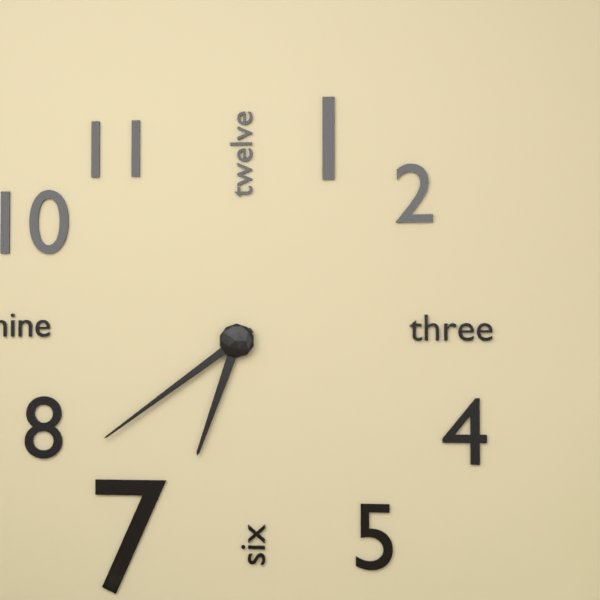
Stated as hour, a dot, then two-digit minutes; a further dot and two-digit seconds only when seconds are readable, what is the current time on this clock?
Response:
6.39
